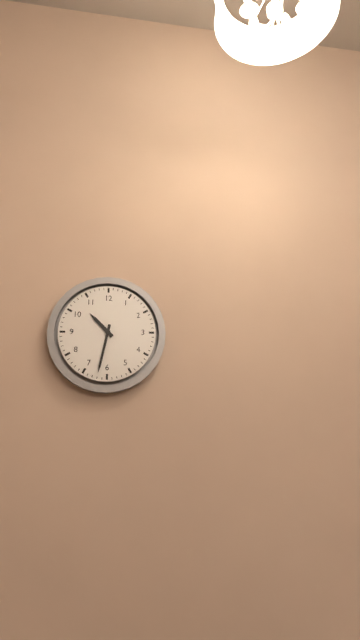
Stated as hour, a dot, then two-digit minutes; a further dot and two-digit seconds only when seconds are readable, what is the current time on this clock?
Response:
10.32
